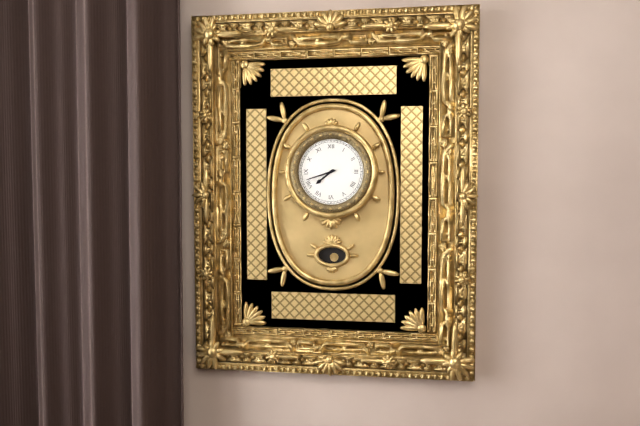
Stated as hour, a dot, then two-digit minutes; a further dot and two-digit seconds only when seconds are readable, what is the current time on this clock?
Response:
7.42
